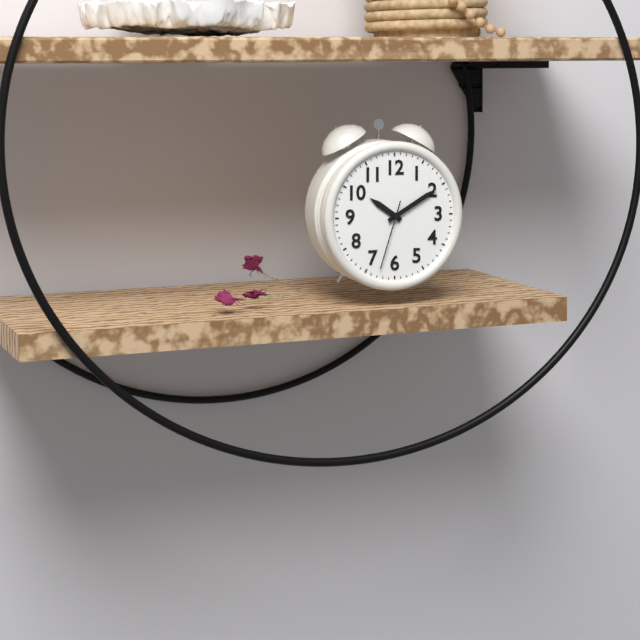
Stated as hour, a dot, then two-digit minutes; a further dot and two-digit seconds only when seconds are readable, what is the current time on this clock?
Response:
10.10.33
